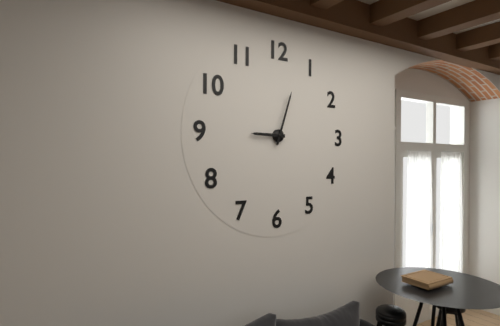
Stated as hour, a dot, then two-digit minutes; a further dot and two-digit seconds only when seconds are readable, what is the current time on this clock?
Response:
9.03
